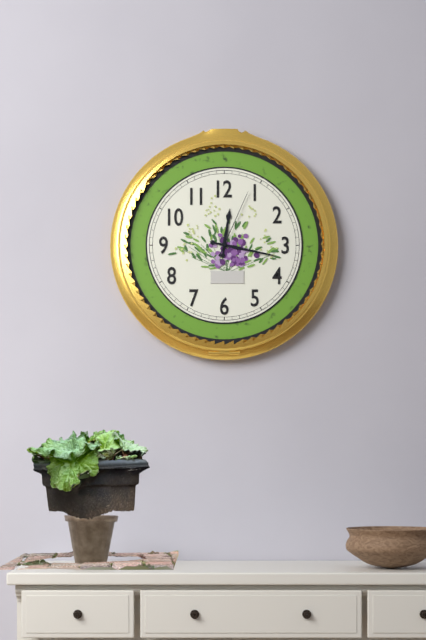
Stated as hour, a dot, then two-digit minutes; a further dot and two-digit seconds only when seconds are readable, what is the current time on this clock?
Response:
12.17.04
